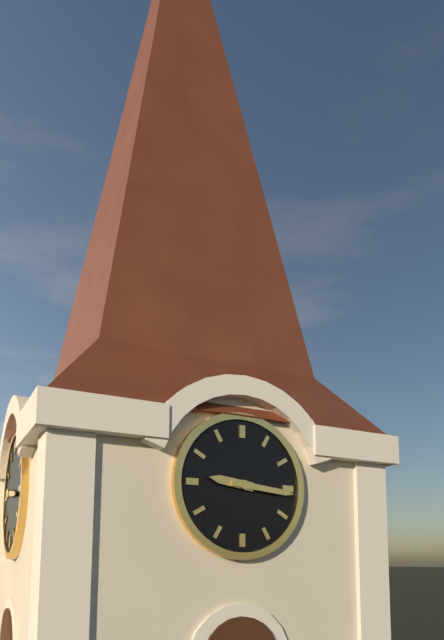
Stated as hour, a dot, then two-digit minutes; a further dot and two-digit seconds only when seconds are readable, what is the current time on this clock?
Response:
9.16
